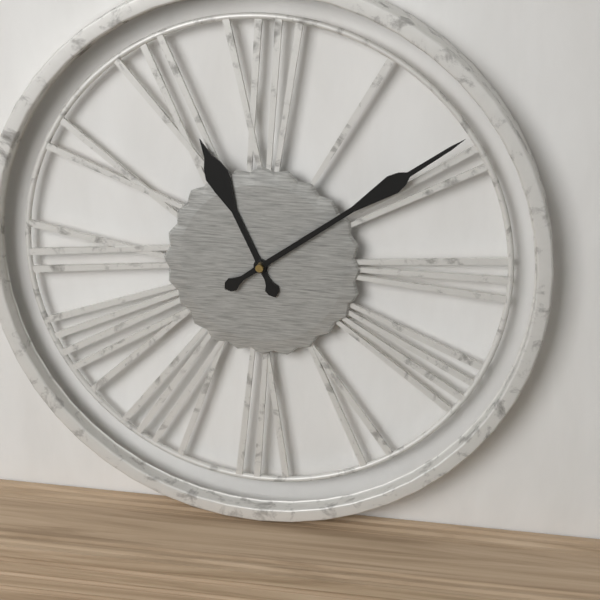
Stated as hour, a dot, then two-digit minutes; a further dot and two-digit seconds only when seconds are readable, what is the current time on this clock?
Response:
11.09
